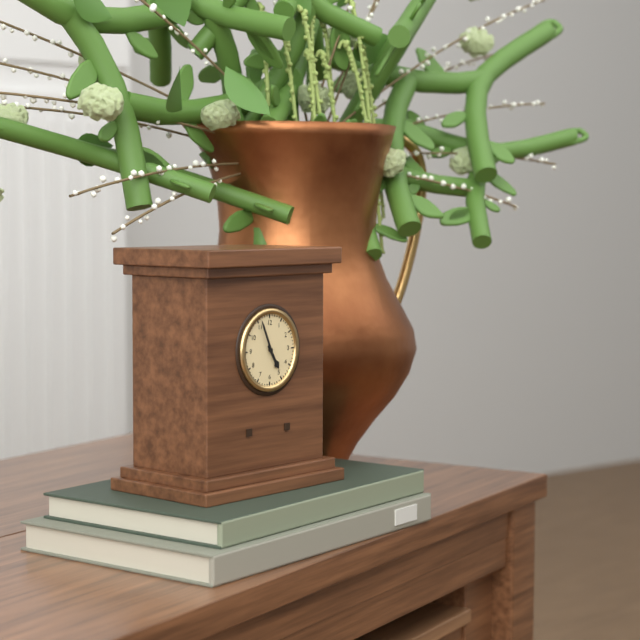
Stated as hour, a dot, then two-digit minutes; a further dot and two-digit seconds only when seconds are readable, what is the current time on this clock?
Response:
4.56
